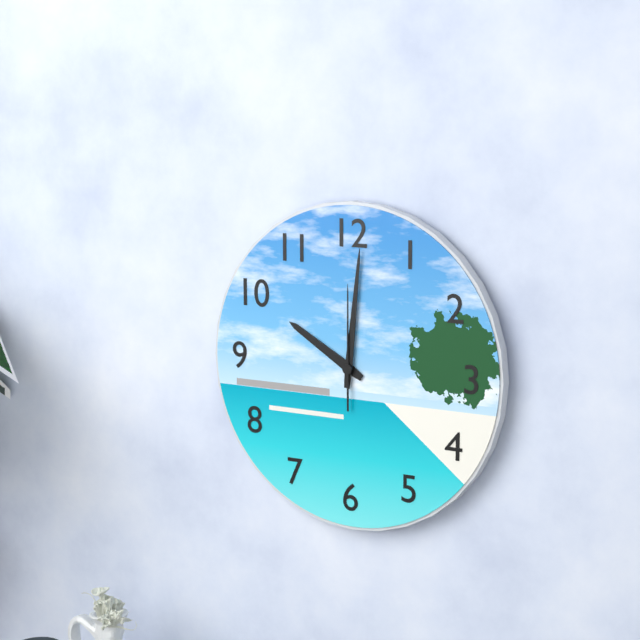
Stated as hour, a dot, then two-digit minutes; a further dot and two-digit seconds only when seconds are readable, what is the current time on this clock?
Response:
10.01.00
